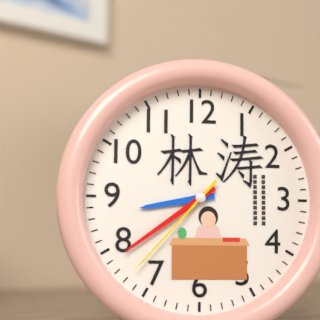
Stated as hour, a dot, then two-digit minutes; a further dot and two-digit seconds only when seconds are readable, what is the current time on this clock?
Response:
8.39.37
